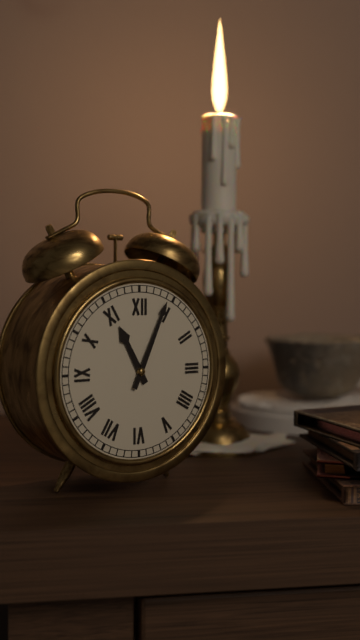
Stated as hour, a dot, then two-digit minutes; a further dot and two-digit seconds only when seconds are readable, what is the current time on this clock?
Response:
11.04
